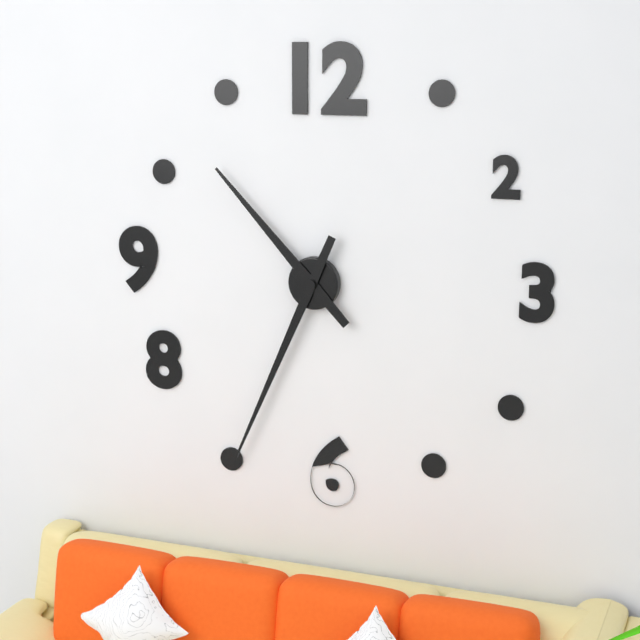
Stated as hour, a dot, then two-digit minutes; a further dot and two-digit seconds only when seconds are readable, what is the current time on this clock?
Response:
10.34
